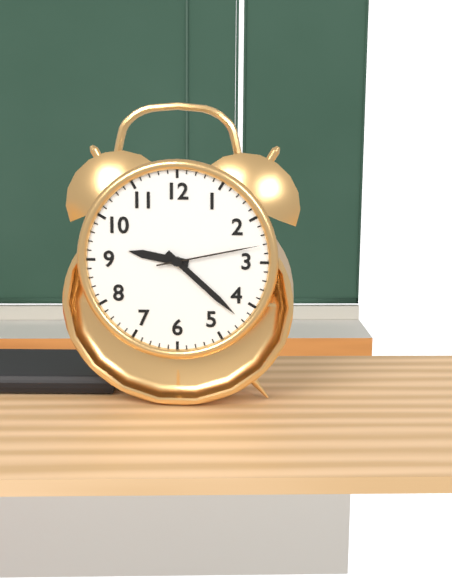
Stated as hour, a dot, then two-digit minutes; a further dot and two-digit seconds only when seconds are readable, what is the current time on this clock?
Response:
9.22.13
